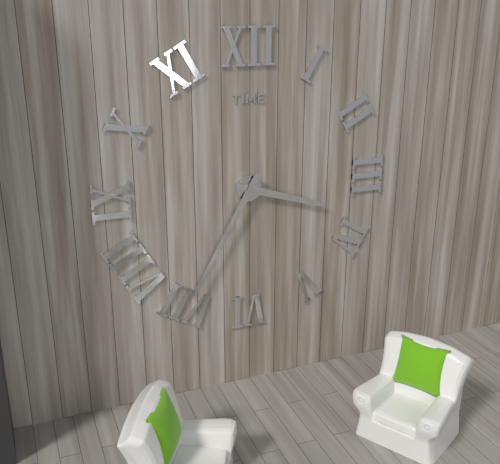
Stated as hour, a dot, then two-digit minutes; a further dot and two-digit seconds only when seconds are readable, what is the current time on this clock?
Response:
3.35
